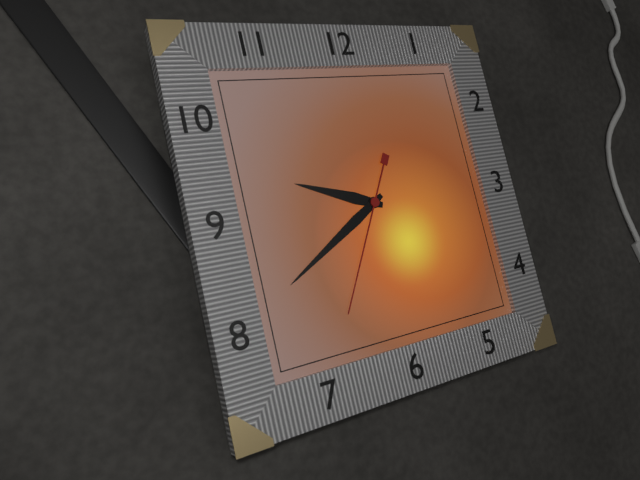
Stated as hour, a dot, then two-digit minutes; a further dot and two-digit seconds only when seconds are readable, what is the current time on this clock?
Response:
9.40.35
